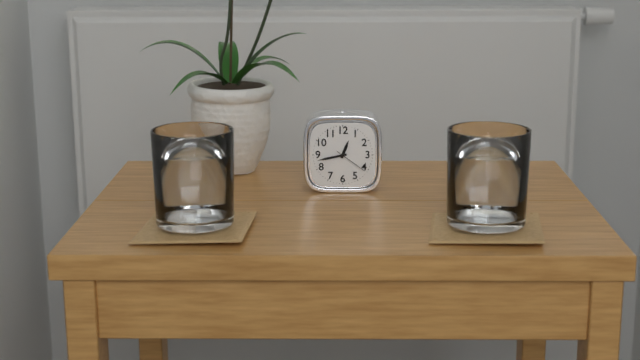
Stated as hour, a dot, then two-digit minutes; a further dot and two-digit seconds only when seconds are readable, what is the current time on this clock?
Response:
12.43
